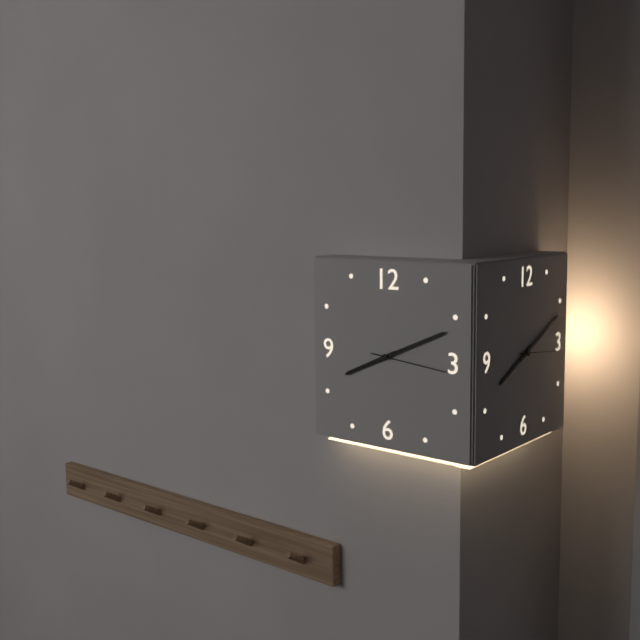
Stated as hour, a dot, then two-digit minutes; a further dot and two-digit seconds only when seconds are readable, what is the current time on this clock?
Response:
8.11.16
